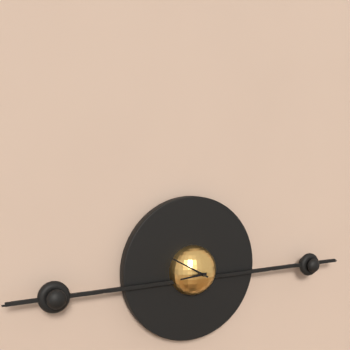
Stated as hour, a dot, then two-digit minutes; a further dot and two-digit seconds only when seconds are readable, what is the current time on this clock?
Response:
8.50
